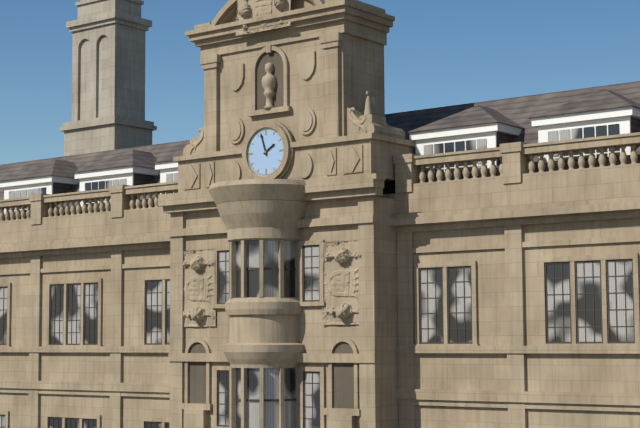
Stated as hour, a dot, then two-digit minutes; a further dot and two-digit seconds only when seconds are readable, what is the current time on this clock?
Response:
1.57
